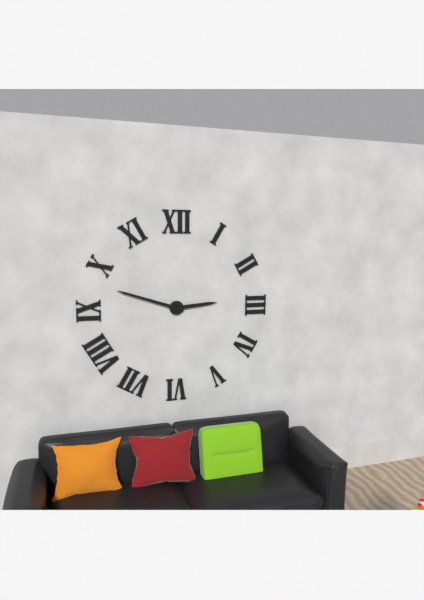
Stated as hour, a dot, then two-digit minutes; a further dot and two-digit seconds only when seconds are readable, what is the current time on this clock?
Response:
2.48
